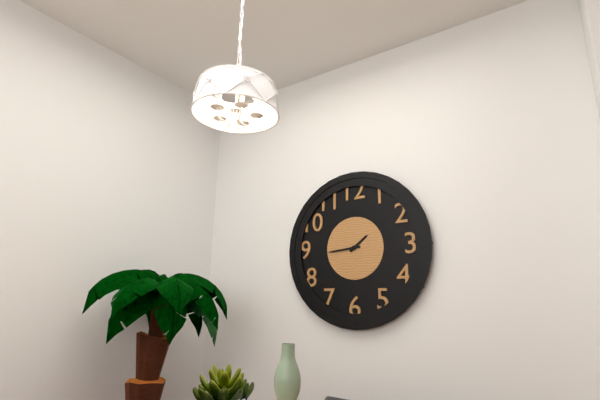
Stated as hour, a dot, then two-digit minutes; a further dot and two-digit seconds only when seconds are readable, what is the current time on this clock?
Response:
1.44
